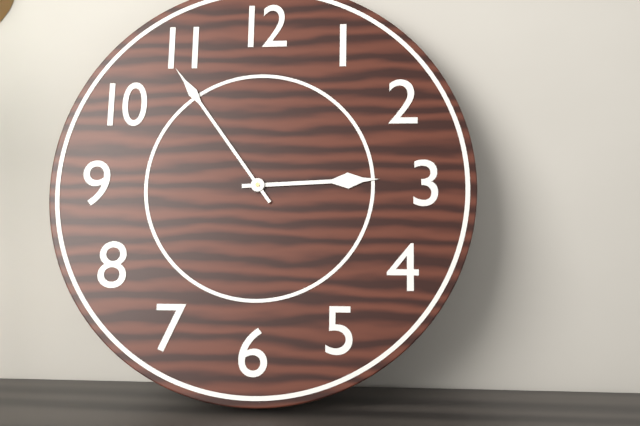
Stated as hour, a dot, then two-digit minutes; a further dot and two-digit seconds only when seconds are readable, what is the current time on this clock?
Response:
2.54
